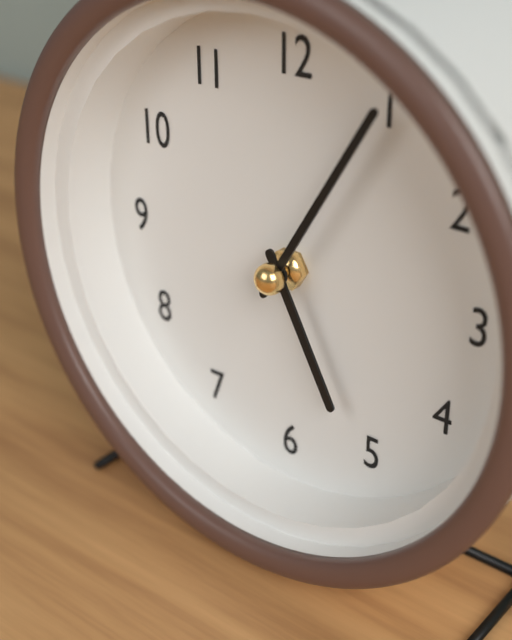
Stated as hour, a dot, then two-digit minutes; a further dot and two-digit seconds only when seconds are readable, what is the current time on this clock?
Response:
5.05
